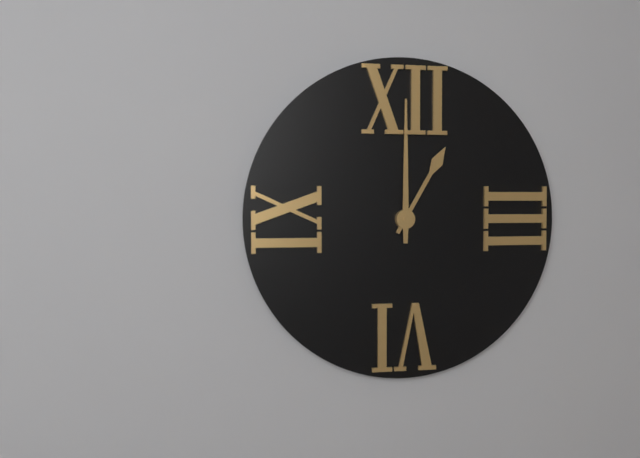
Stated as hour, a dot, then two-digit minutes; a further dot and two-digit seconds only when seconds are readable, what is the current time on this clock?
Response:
1.00
